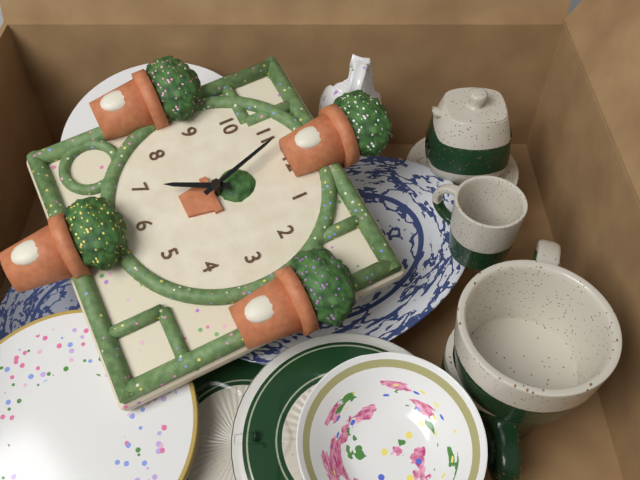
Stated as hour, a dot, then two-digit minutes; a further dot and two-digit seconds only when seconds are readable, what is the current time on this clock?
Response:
6.57
